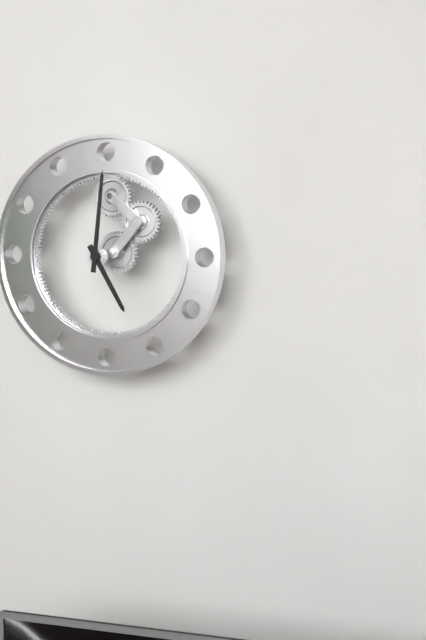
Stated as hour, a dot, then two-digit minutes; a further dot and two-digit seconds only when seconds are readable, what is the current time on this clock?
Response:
5.01
